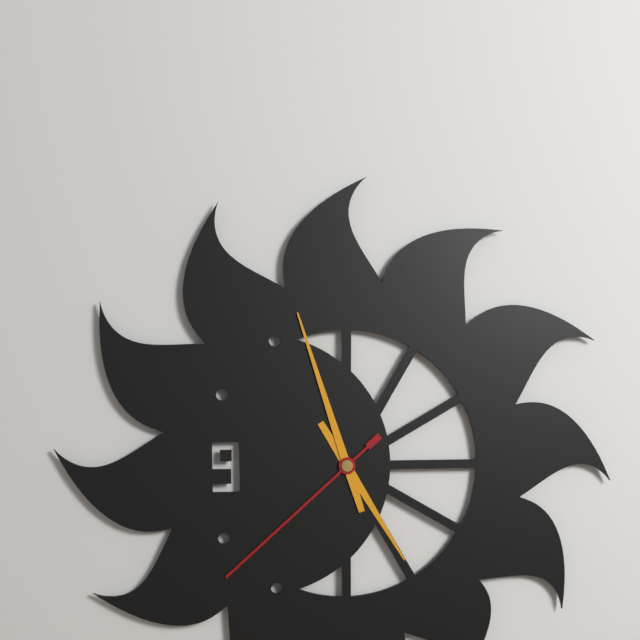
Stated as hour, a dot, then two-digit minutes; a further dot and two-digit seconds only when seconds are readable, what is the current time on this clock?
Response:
4.57.38
